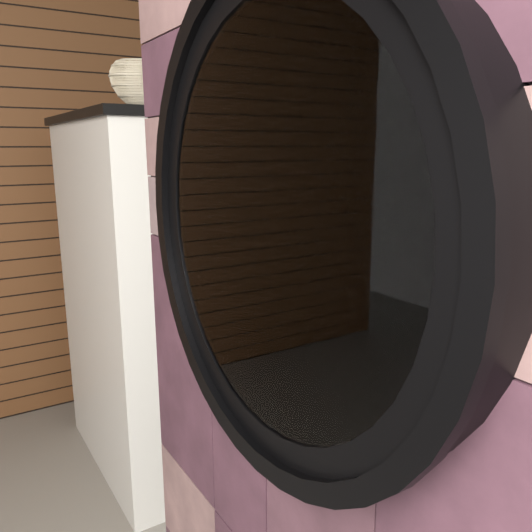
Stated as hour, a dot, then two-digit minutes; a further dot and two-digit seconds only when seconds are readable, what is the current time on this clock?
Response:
8.25
